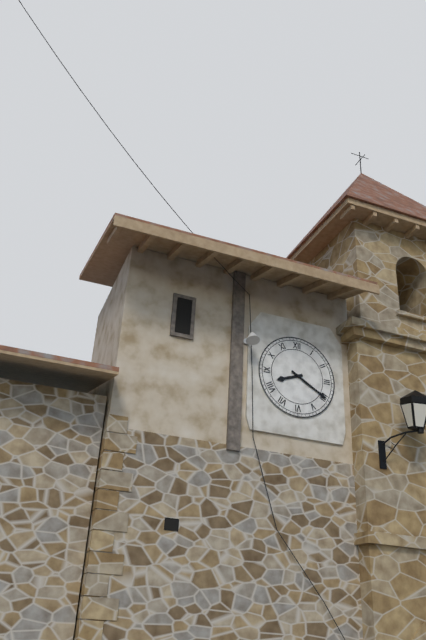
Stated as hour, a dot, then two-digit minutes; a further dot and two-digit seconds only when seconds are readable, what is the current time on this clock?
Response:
8.20
